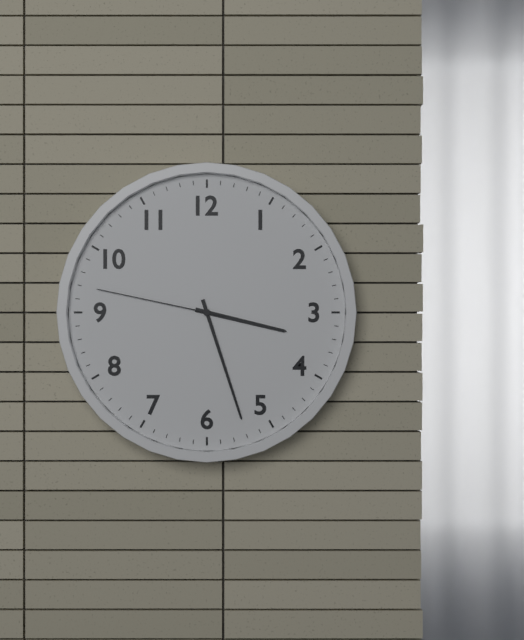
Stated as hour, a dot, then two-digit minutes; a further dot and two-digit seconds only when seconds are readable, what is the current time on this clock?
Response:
3.27.47
